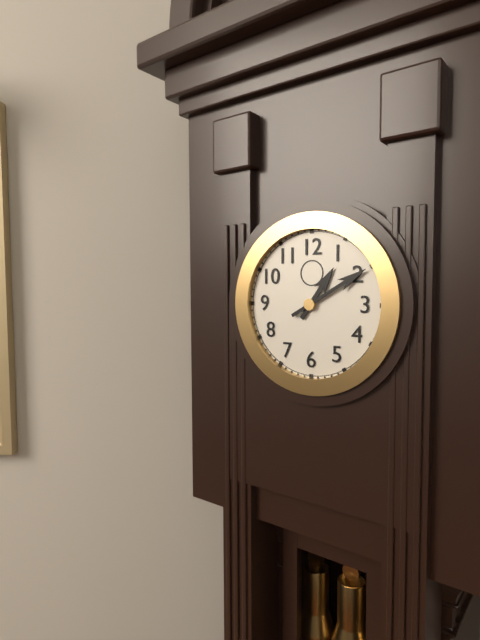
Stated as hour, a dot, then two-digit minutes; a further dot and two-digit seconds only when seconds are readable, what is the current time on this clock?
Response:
1.10
